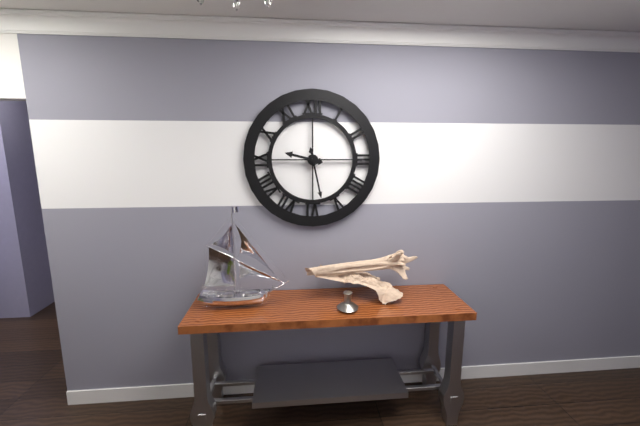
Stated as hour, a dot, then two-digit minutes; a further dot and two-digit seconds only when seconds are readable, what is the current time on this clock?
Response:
9.28
